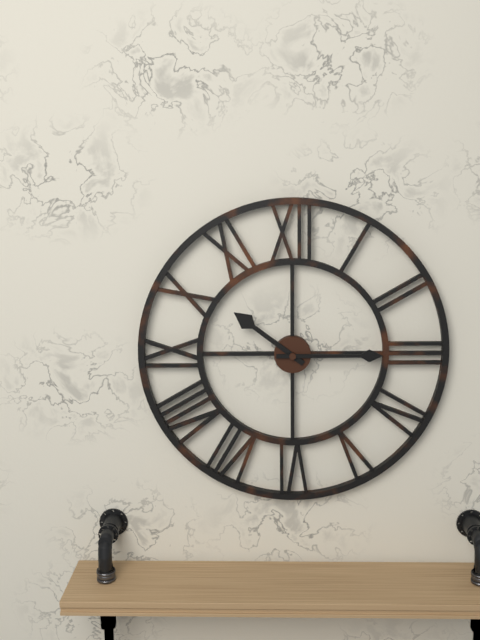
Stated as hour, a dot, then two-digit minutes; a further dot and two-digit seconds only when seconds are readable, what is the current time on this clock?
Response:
10.15
